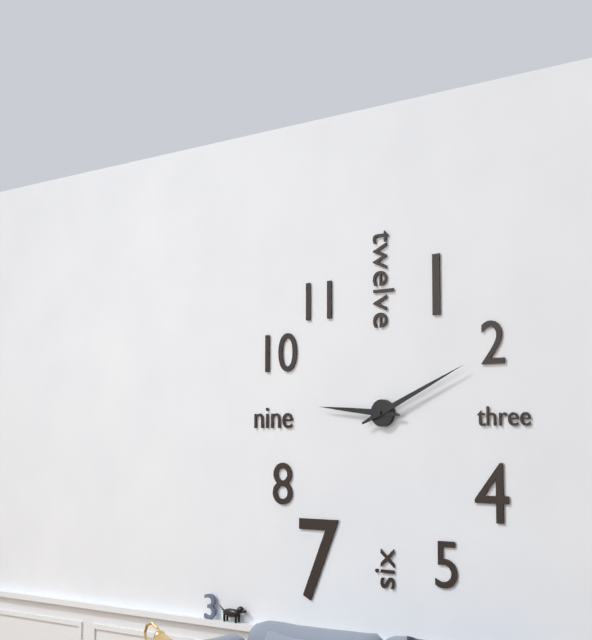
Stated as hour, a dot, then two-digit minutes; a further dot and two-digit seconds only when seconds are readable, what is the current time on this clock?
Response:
9.11
